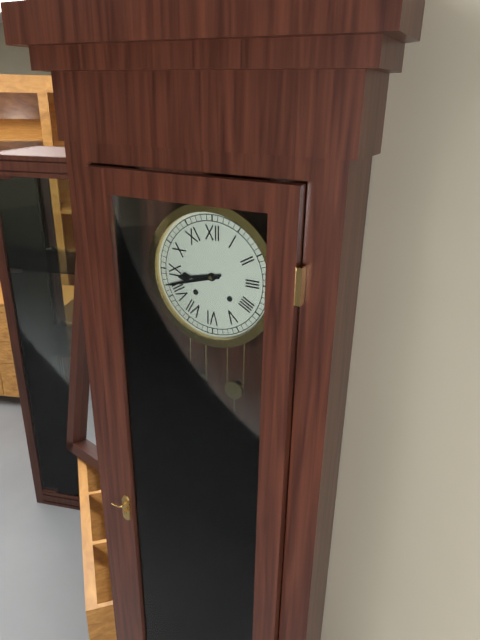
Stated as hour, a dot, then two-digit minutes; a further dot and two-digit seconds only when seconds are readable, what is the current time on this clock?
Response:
8.42
